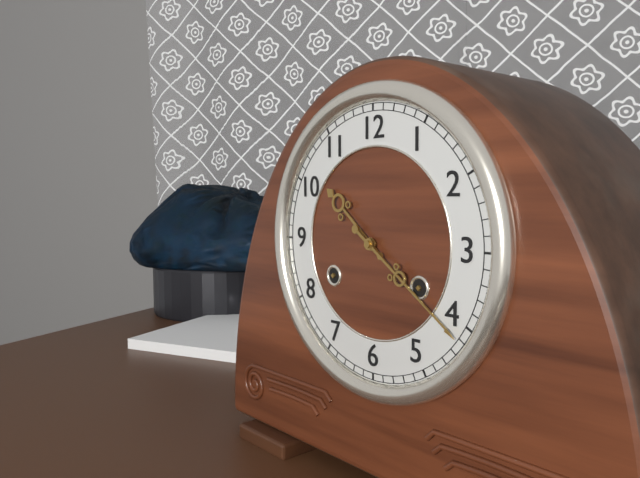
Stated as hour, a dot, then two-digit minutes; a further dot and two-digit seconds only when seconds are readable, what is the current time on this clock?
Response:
10.21
